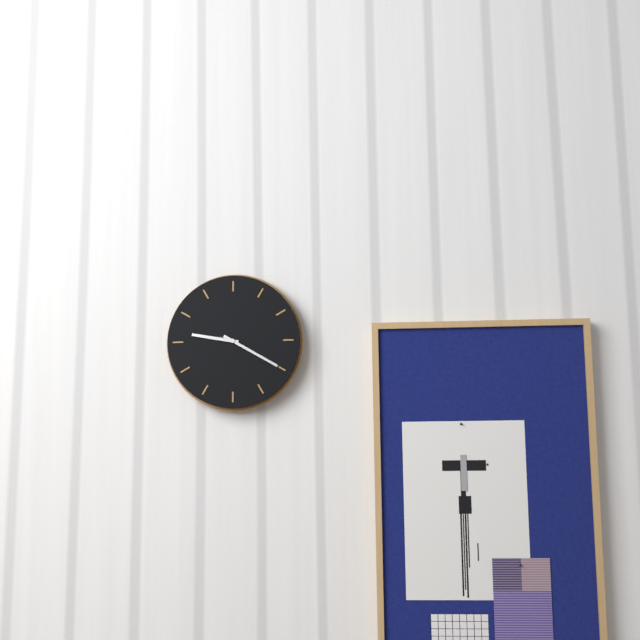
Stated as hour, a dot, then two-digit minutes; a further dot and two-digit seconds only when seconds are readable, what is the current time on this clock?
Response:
9.20
